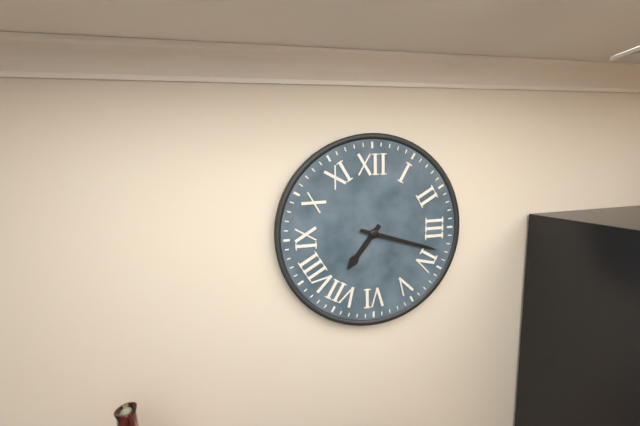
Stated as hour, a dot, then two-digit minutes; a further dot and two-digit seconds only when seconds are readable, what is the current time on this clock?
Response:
7.18
